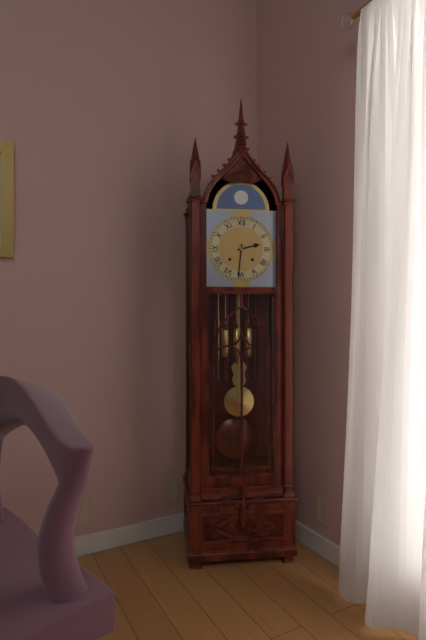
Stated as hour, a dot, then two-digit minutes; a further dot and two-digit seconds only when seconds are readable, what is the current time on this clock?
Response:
2.31
